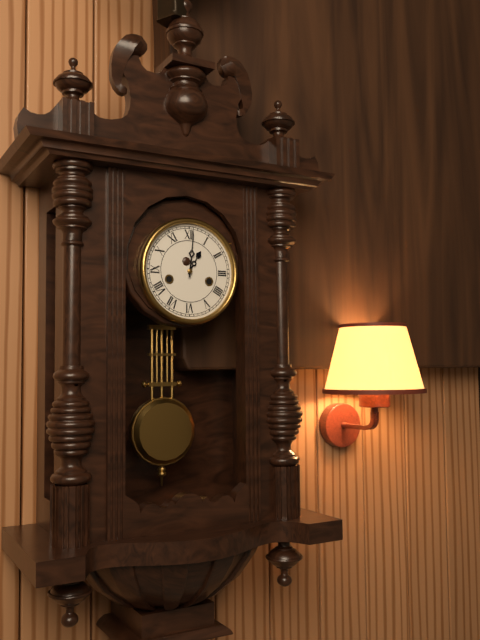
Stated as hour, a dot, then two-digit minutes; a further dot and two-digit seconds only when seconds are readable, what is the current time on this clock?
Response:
1.01
